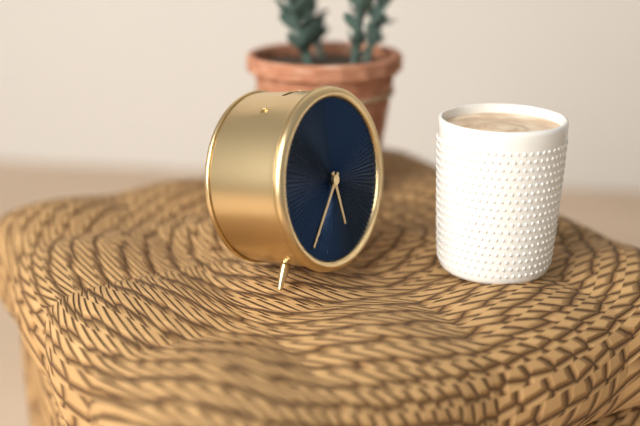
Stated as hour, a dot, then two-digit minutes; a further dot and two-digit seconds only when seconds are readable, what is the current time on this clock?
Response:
5.37
